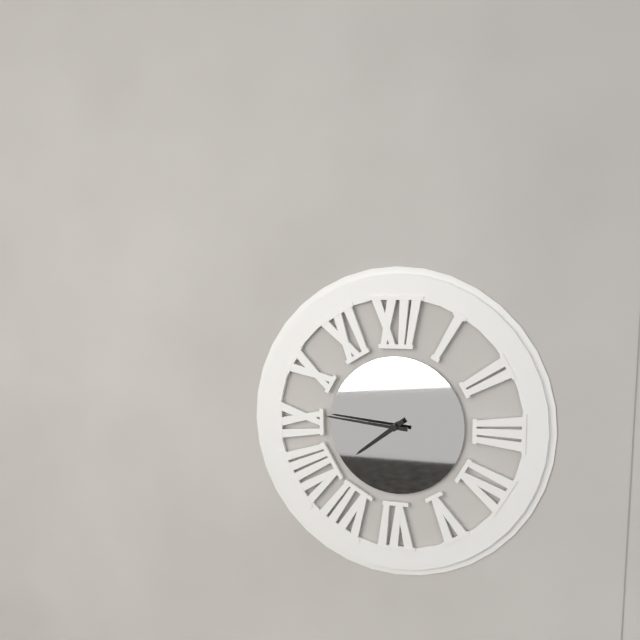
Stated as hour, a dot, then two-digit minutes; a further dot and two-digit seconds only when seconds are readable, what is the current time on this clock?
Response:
7.46
